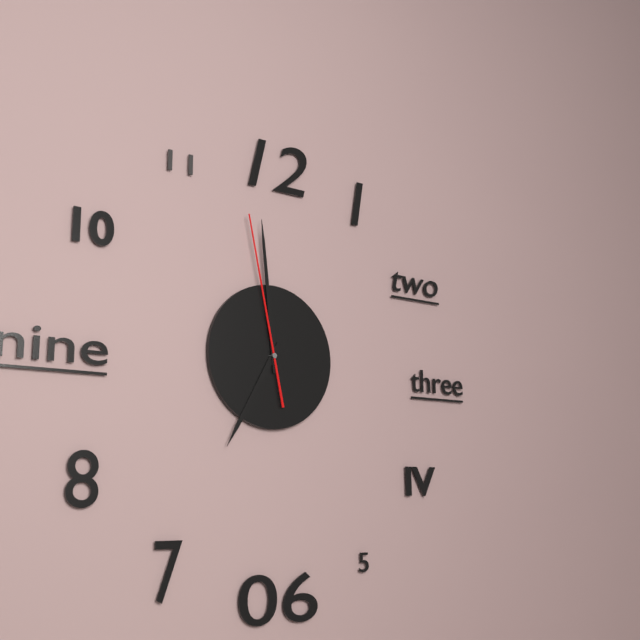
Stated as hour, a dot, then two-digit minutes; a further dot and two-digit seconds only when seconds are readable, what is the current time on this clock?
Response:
6.59.58
